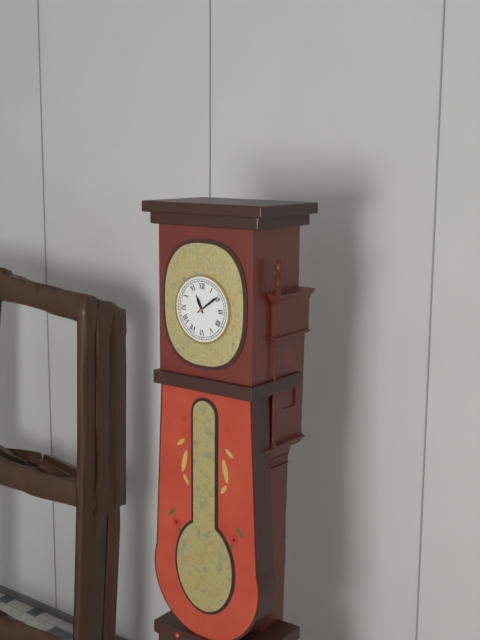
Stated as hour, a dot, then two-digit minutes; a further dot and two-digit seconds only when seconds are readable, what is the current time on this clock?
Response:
11.09
